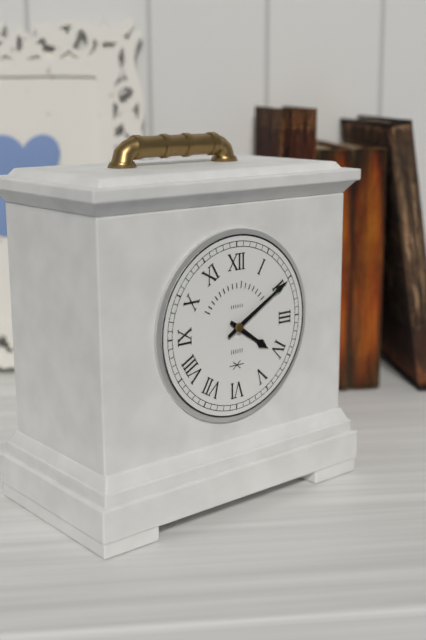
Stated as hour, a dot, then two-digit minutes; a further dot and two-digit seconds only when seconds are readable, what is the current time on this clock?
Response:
4.10
